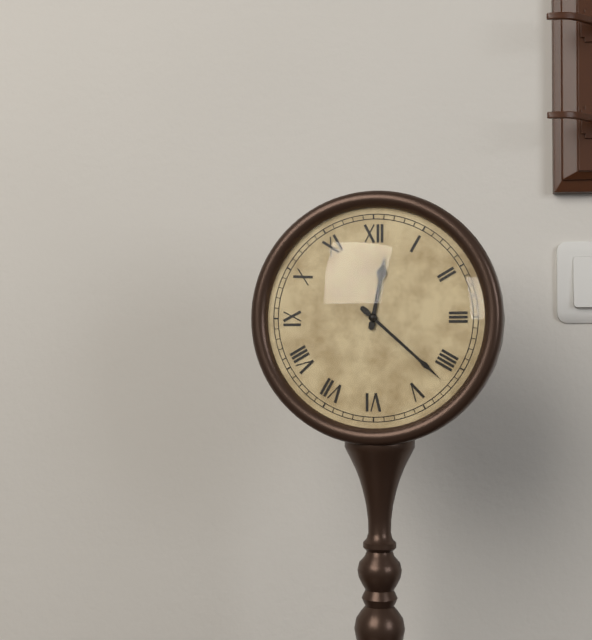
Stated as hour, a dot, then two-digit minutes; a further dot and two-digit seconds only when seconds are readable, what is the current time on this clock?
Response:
12.22
